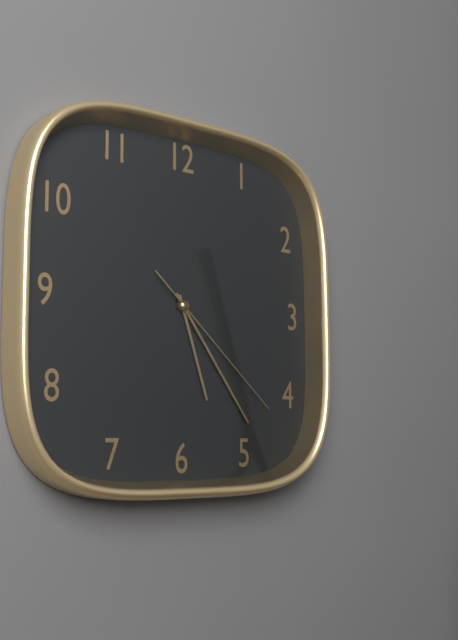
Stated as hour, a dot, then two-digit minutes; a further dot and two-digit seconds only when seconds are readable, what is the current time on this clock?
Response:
5.24.22
